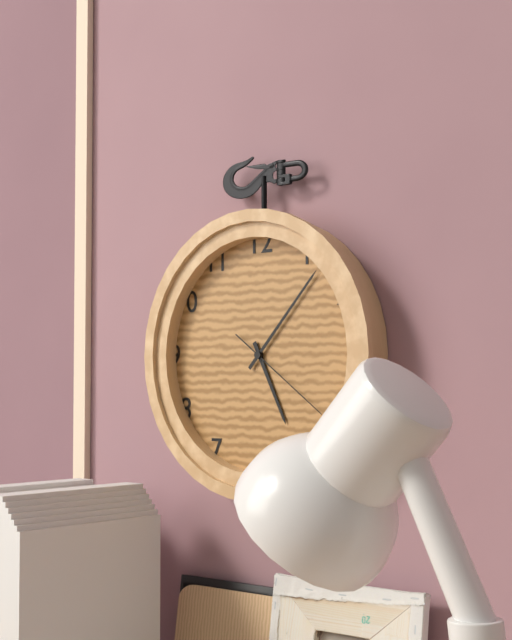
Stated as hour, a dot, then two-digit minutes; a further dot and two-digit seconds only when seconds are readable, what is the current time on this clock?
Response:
5.07.21
